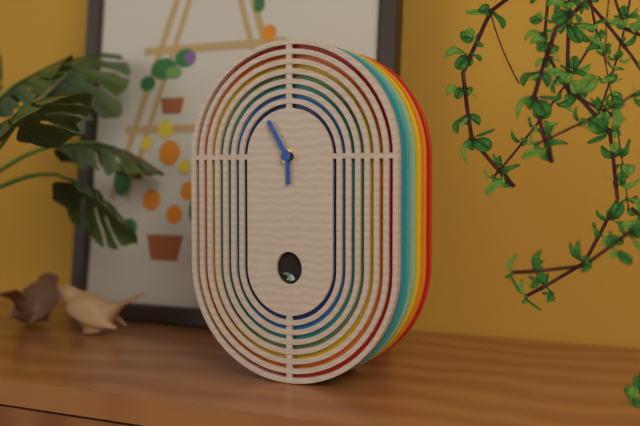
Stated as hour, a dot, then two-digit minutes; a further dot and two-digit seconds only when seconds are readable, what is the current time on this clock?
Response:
5.55
